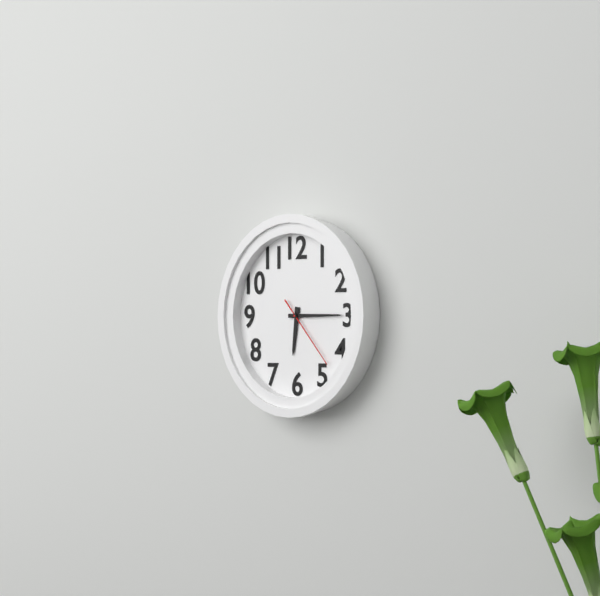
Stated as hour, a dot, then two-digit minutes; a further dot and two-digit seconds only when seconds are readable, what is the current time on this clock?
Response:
6.15.23
